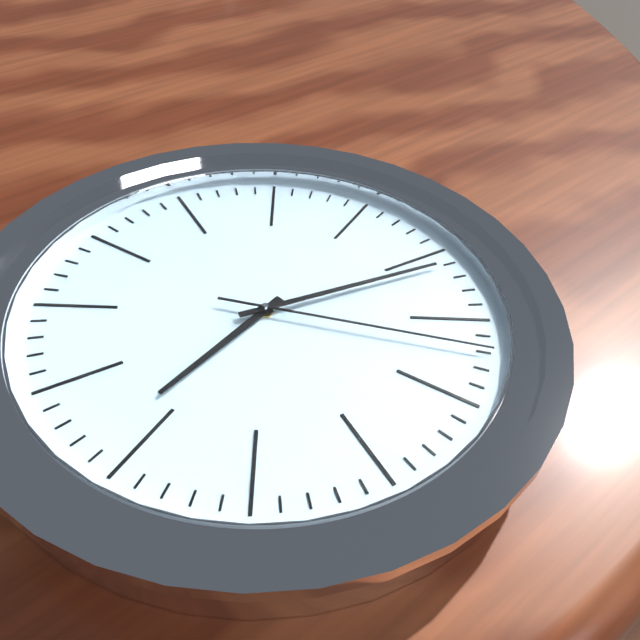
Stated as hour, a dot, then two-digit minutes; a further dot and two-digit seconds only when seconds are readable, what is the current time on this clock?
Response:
8.16.22
